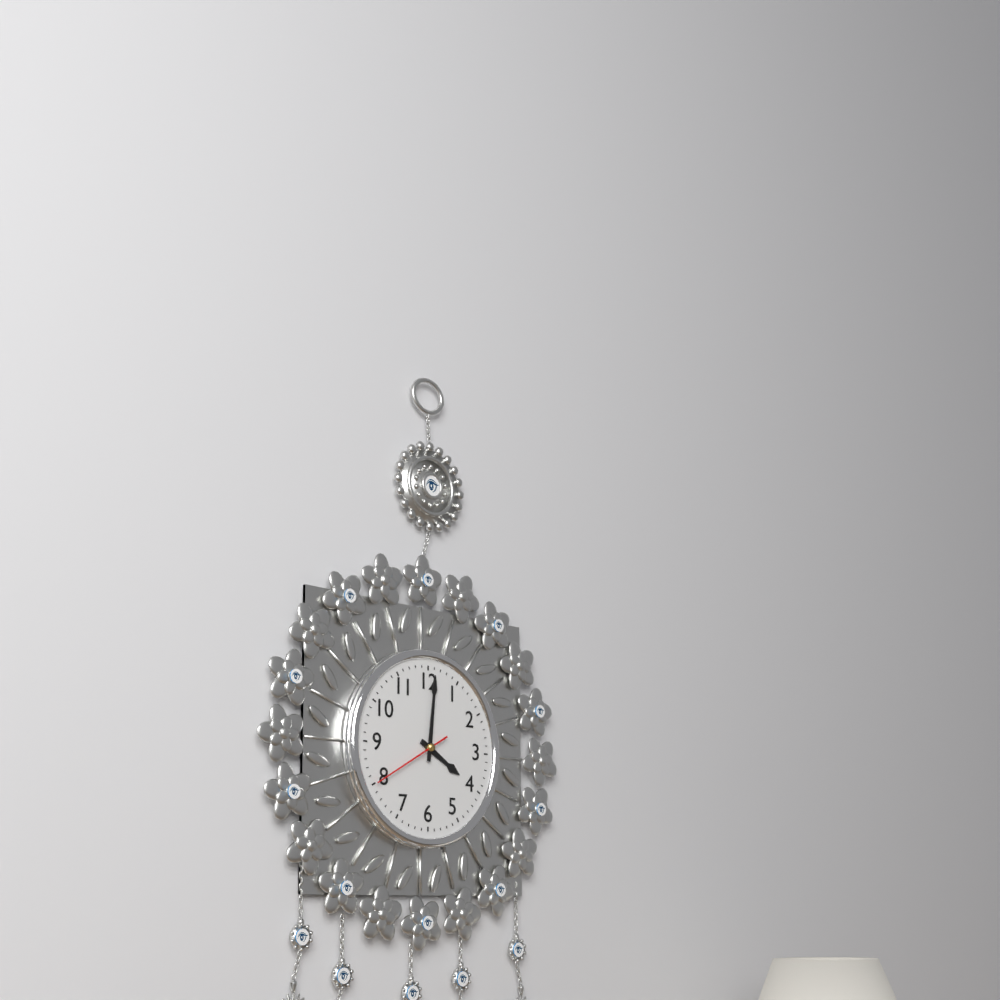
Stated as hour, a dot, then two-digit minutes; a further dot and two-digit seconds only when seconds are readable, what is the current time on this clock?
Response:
4.01.40
